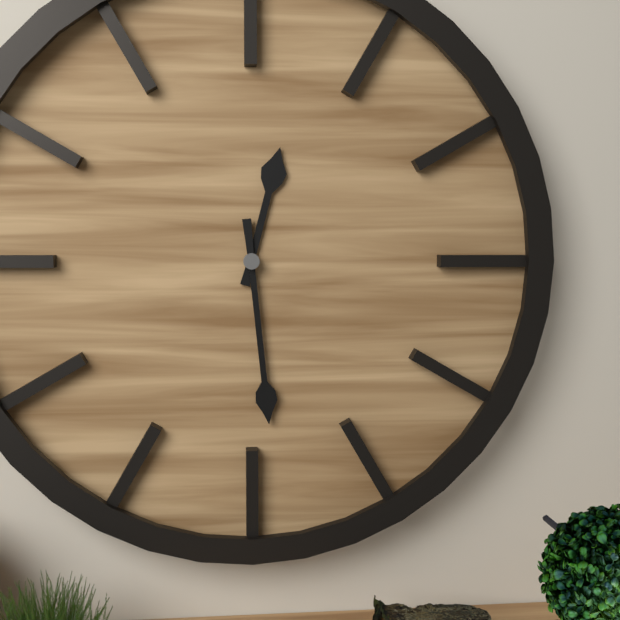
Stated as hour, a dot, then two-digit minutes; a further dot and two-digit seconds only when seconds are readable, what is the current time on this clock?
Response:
12.29
